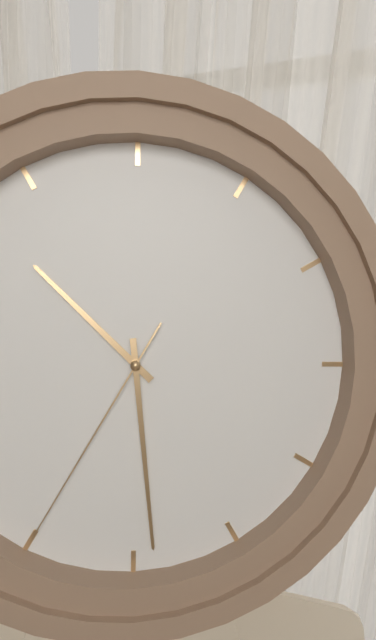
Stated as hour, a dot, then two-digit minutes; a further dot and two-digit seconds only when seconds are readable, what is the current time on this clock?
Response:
10.29.35
